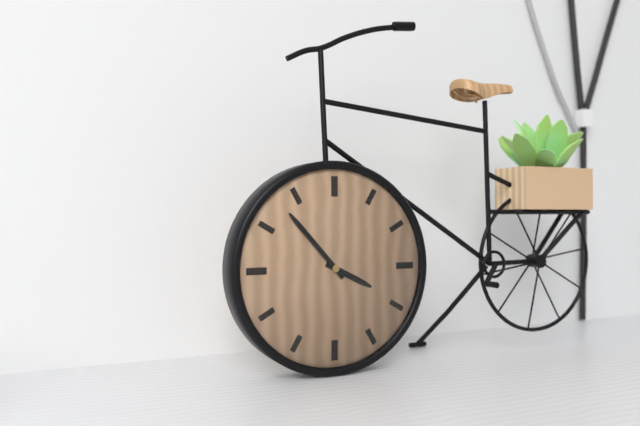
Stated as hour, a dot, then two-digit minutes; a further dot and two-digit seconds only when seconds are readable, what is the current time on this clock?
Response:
3.53
